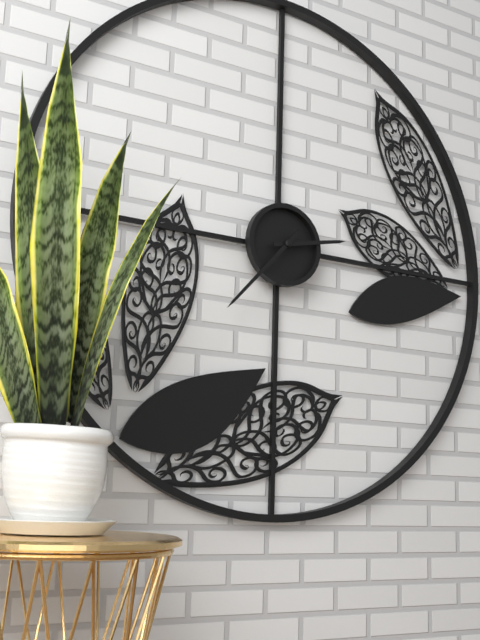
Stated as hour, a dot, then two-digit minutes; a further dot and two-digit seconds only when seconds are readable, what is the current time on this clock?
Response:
2.37
